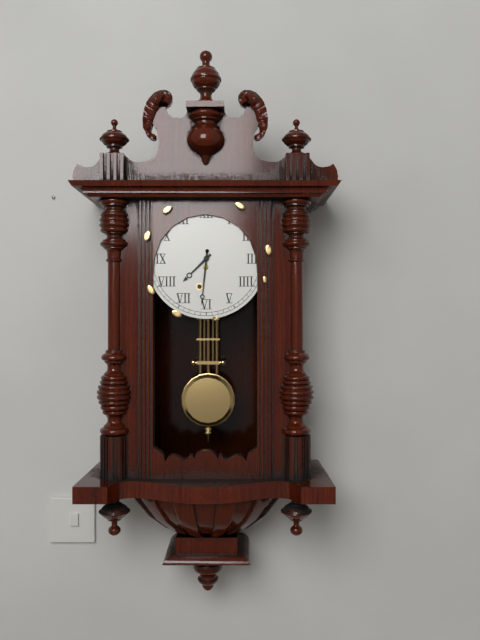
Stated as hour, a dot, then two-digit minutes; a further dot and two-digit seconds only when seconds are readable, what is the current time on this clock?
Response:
7.31
